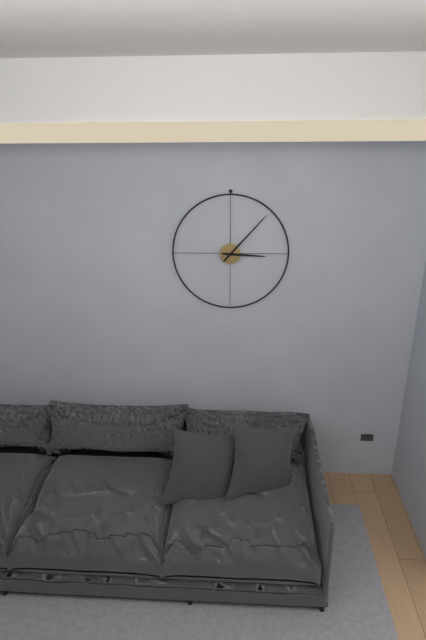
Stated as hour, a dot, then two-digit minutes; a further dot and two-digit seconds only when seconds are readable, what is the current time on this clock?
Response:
3.07
